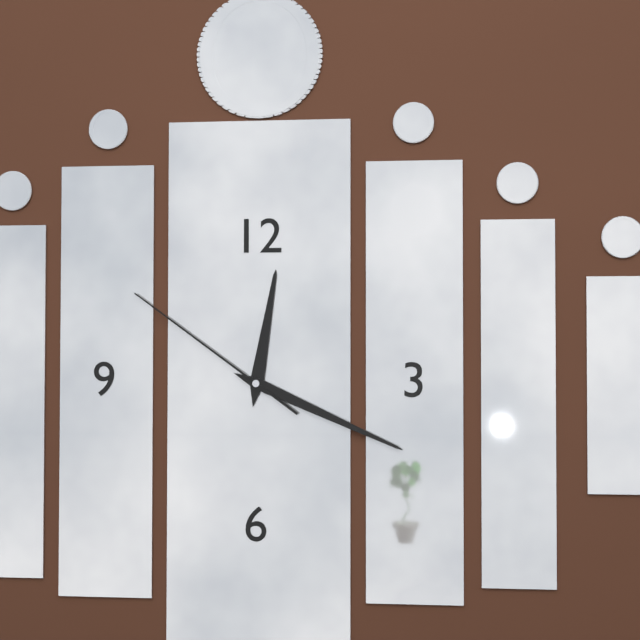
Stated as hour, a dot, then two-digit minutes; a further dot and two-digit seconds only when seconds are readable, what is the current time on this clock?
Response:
12.19.51
